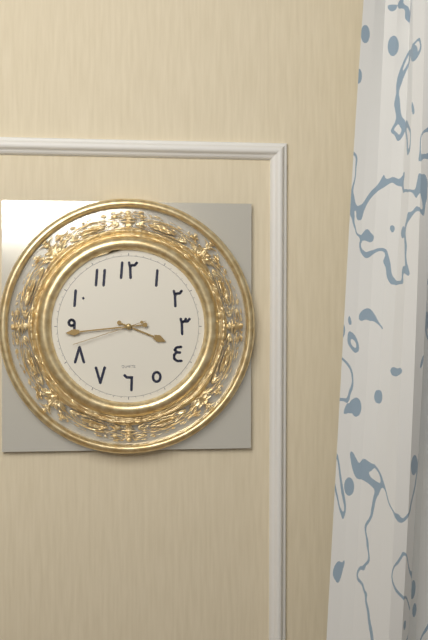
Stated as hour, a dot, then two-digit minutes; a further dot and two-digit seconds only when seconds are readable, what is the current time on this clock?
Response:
3.44.42
